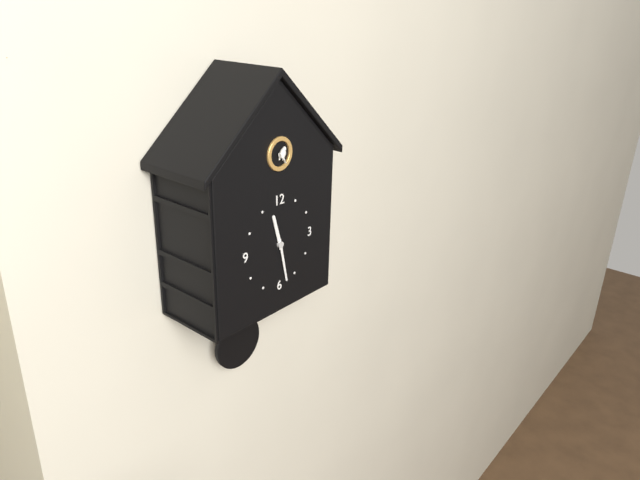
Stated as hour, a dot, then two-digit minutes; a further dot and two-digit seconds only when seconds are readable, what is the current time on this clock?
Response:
11.28
